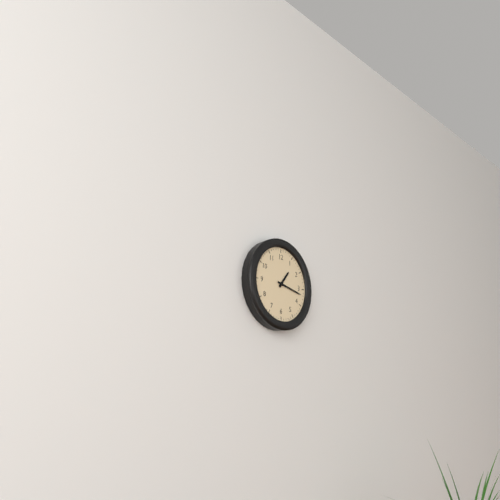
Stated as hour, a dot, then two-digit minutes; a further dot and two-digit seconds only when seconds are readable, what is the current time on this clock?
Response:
1.17
